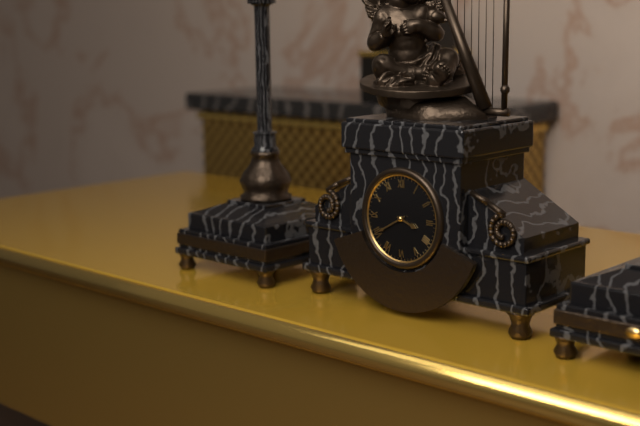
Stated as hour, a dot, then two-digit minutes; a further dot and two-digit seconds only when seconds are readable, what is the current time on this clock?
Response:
3.40
